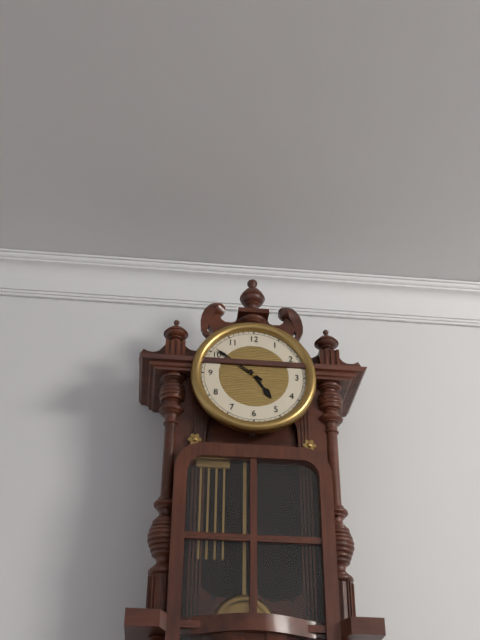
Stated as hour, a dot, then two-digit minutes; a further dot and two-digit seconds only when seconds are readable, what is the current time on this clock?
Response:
4.51
